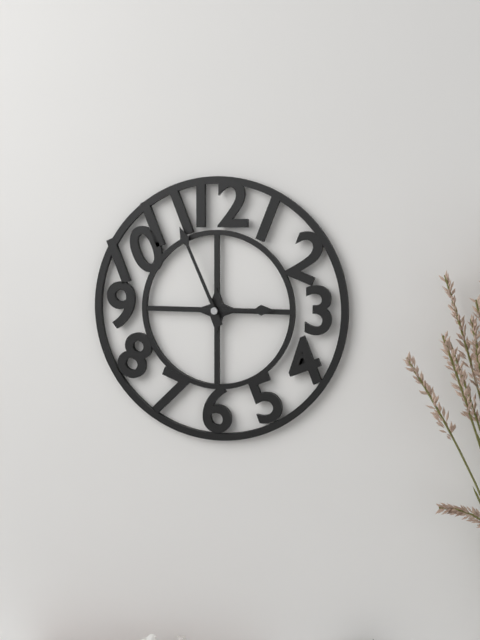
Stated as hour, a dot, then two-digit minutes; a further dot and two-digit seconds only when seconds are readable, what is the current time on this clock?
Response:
2.56
